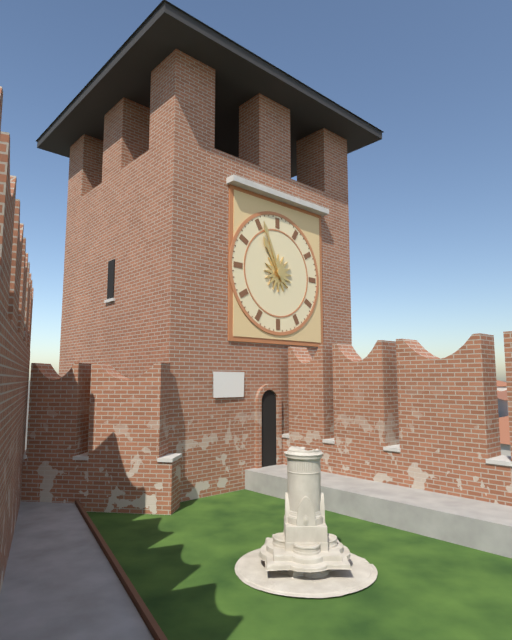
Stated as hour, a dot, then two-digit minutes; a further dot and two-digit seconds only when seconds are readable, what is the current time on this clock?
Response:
10.56
